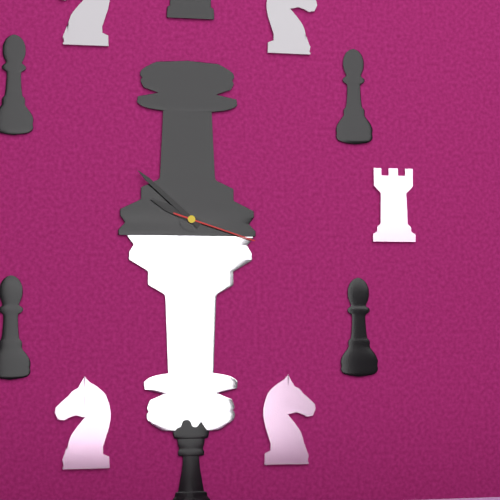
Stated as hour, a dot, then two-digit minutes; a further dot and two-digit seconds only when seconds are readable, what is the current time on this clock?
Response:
9.52.18
